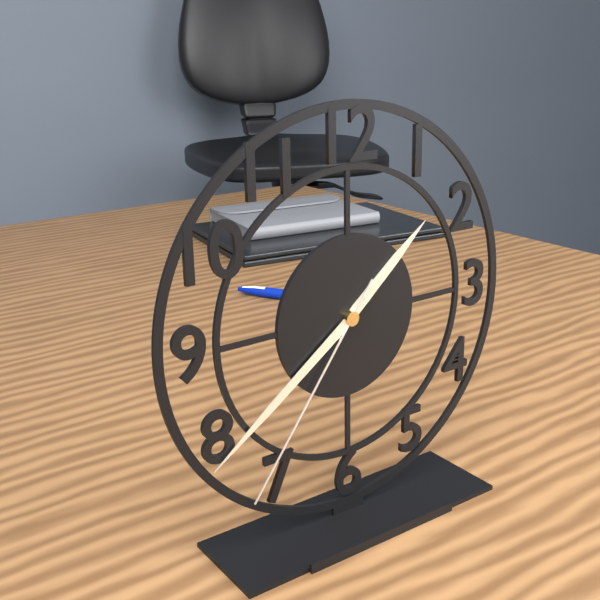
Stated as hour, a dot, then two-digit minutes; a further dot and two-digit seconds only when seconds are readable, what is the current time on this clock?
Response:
1.39.36
